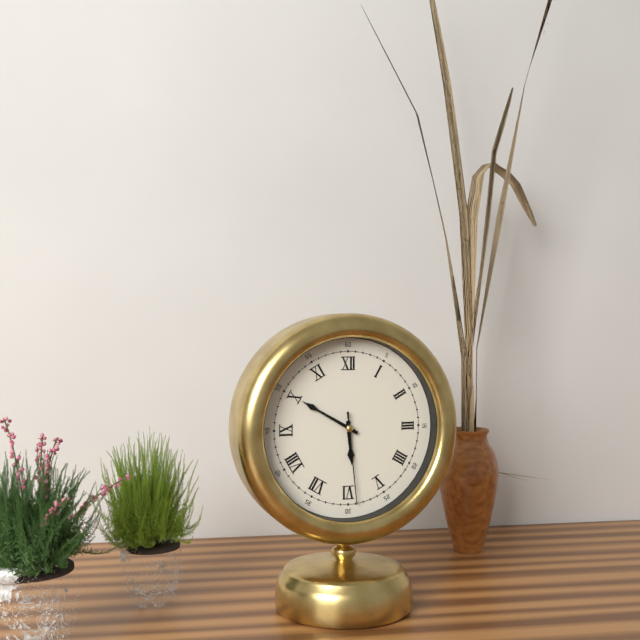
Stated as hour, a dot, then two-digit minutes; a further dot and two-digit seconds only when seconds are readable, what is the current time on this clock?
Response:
5.50.29
